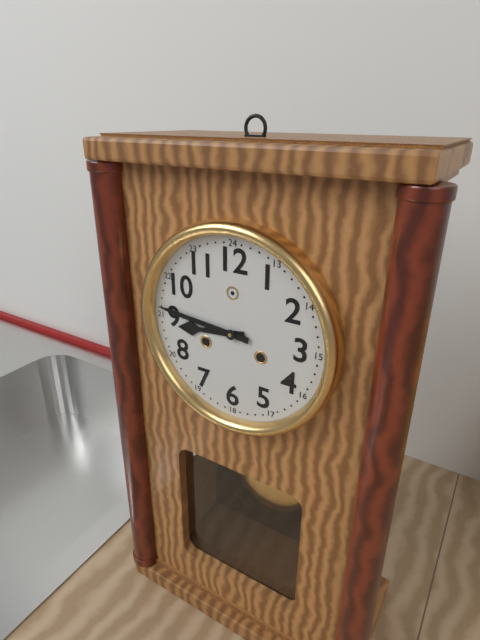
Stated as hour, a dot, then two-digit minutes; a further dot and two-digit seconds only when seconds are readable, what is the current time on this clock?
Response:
8.46
